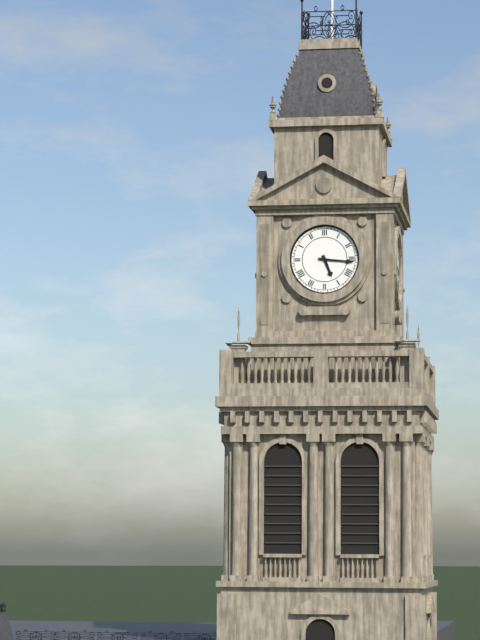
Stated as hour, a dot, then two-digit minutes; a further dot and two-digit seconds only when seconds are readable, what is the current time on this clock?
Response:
5.16
